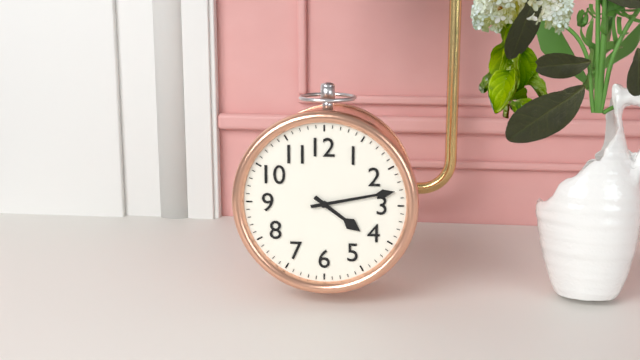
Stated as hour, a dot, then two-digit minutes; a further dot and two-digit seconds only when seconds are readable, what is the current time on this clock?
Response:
4.13
